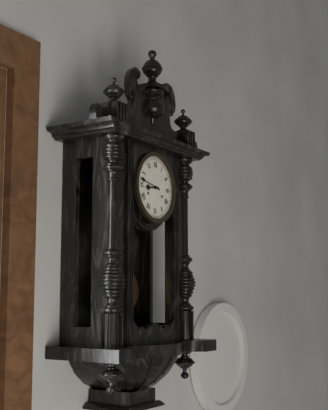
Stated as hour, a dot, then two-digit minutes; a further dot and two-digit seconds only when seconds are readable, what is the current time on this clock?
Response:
8.47
